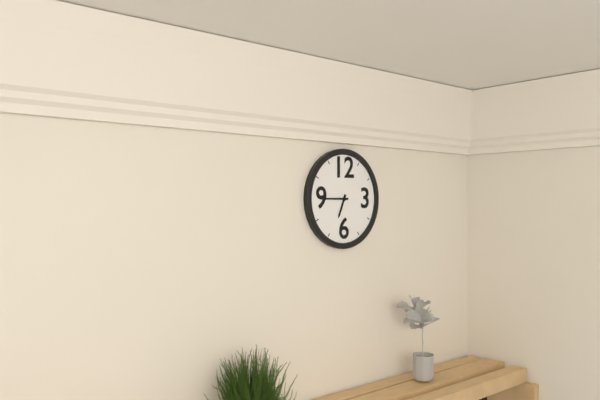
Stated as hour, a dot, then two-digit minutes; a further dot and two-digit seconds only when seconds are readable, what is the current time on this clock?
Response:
6.45
